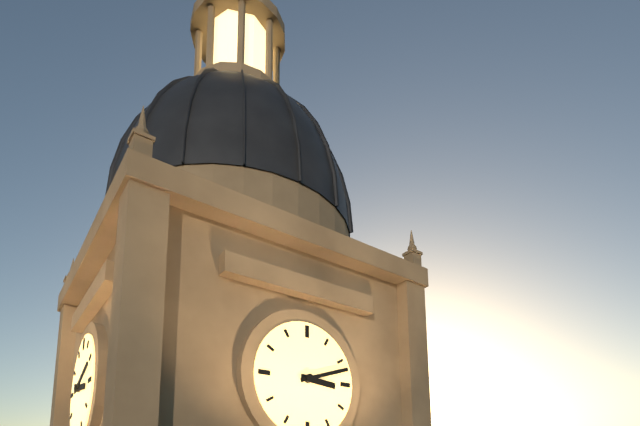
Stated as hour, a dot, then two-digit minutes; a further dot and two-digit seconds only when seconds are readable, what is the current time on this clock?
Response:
3.12
